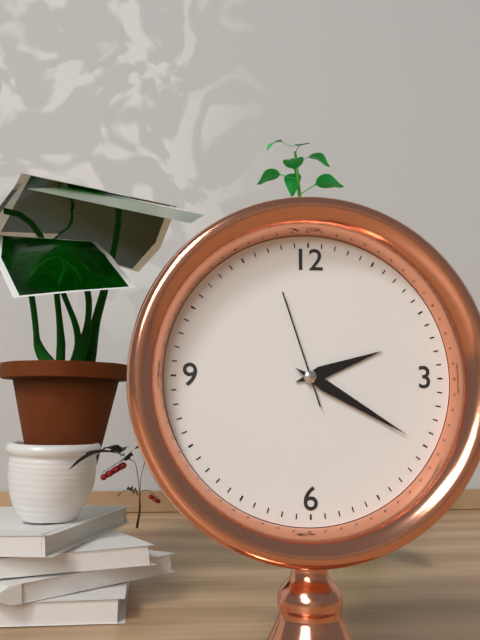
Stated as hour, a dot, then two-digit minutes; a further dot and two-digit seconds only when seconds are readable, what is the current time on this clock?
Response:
2.20.57
